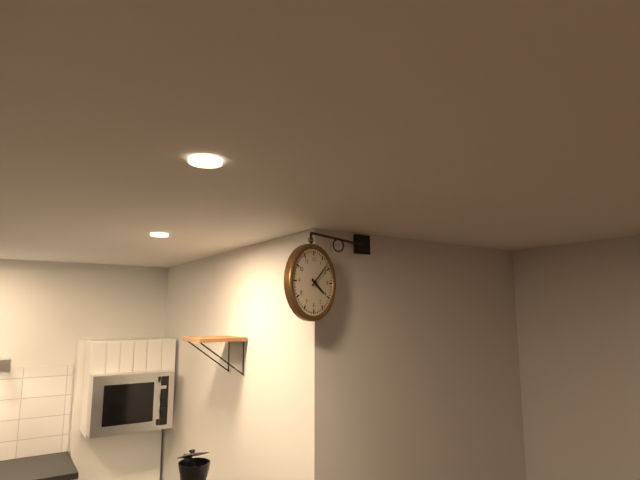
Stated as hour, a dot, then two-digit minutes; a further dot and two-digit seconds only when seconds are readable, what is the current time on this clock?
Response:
4.08
